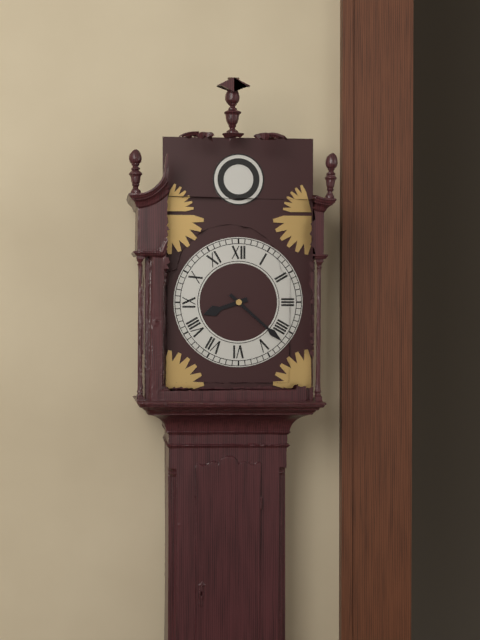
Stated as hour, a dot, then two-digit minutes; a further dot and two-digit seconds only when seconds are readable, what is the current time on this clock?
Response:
8.22
